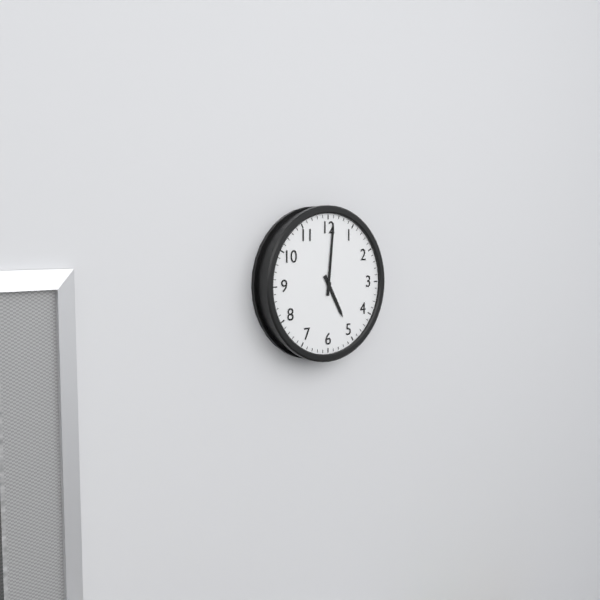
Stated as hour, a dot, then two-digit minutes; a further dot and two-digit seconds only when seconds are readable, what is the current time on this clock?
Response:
5.01
